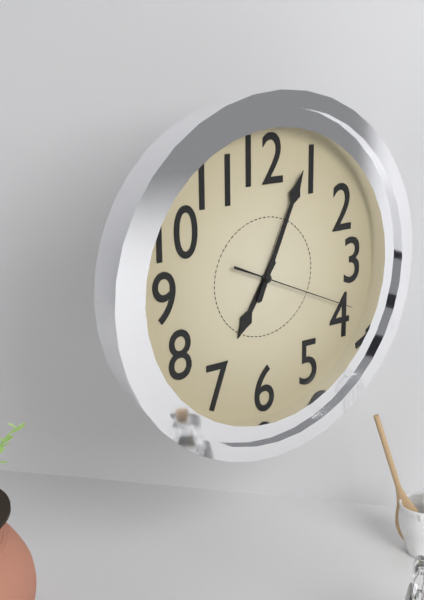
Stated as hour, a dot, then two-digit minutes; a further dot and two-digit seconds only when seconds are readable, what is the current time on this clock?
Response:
7.04.19
